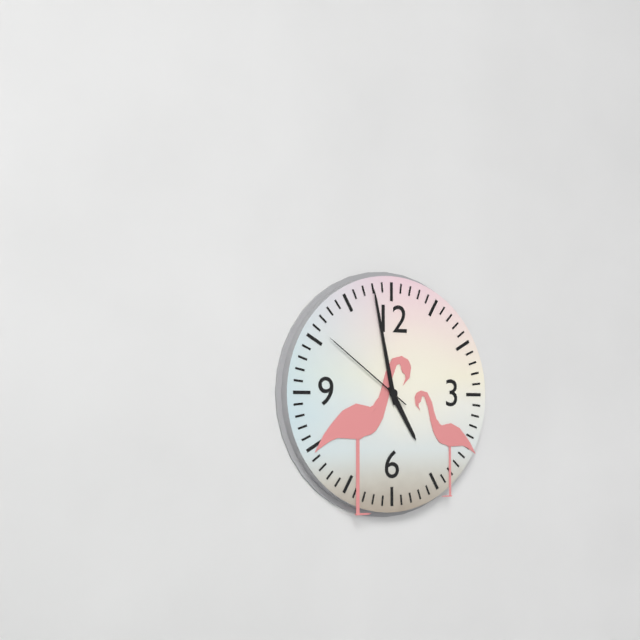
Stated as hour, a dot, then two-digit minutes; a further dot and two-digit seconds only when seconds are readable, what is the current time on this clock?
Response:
4.58.51
